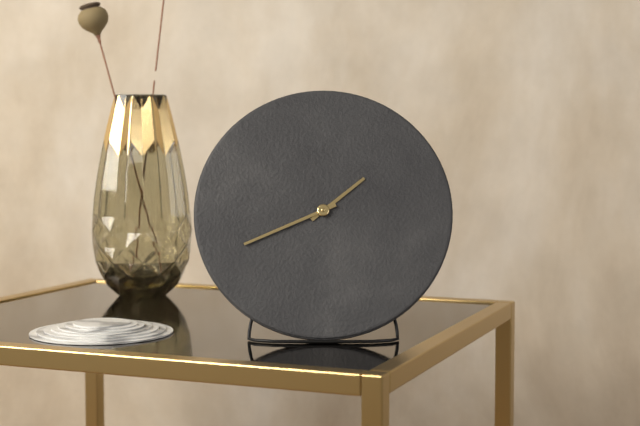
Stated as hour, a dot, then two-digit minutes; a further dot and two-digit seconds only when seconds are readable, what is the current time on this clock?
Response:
1.41
